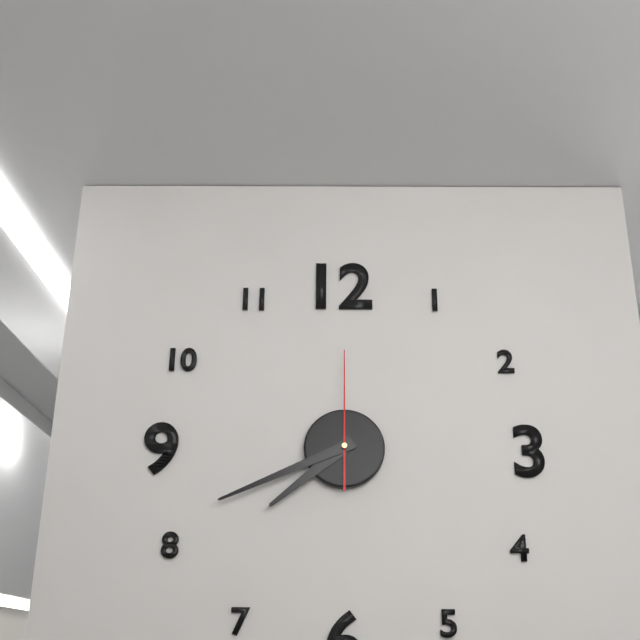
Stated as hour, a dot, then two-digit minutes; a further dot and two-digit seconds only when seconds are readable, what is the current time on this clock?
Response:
7.41.00
